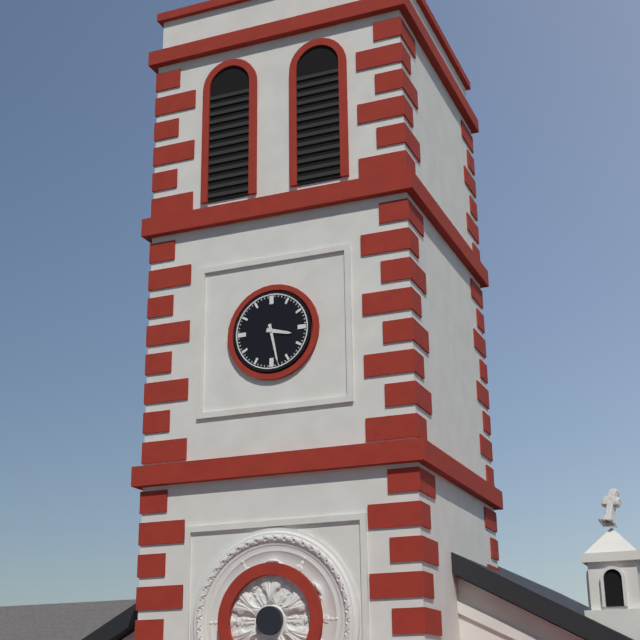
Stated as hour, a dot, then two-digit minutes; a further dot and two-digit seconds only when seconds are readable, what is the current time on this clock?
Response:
3.28
